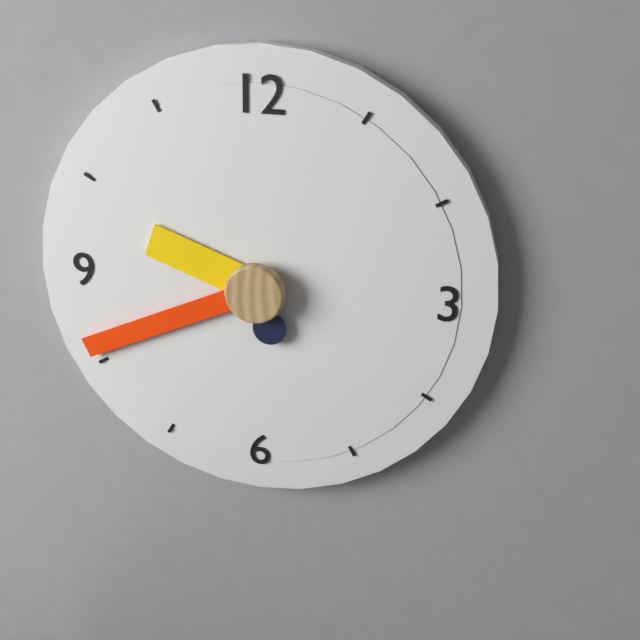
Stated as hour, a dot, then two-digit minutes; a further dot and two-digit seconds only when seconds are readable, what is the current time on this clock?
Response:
9.41.27
